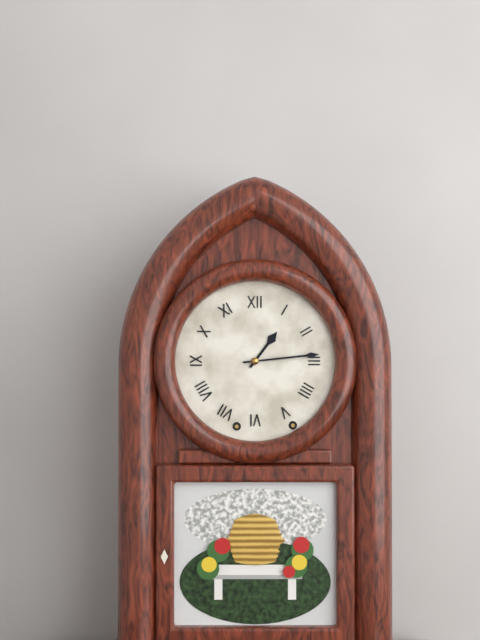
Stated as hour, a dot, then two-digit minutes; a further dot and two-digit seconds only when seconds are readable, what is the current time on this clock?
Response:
1.14
